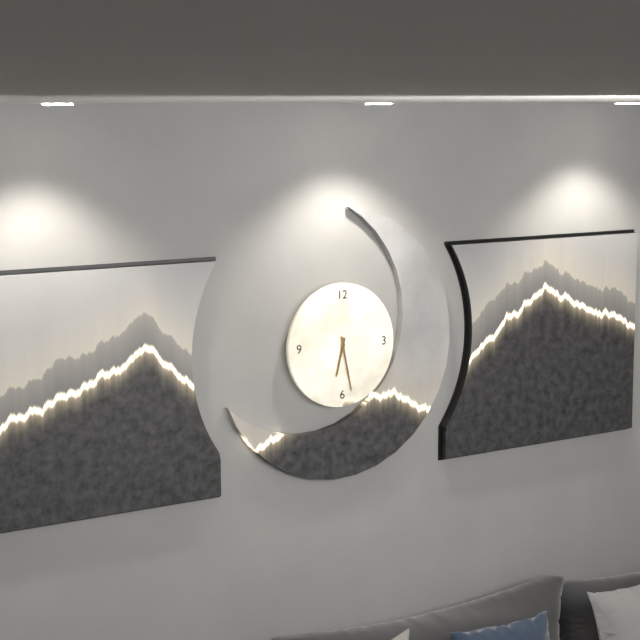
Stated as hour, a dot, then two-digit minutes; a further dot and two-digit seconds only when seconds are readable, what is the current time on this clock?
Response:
6.28
